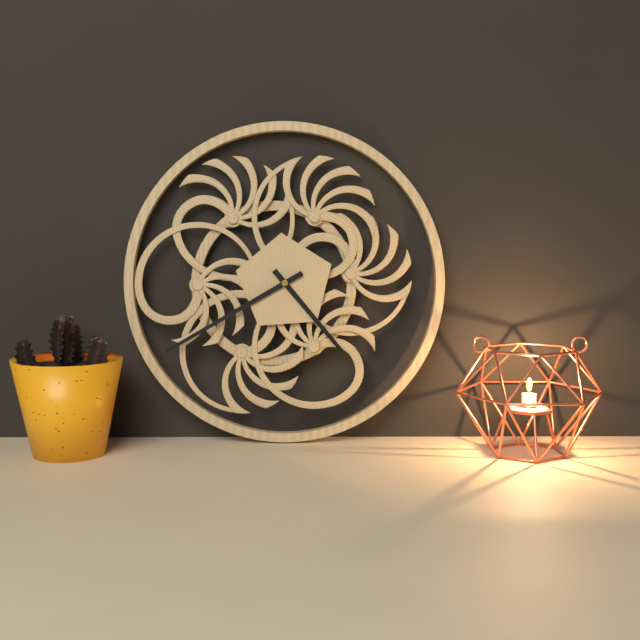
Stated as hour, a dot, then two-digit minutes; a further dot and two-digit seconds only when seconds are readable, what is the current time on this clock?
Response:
4.40
